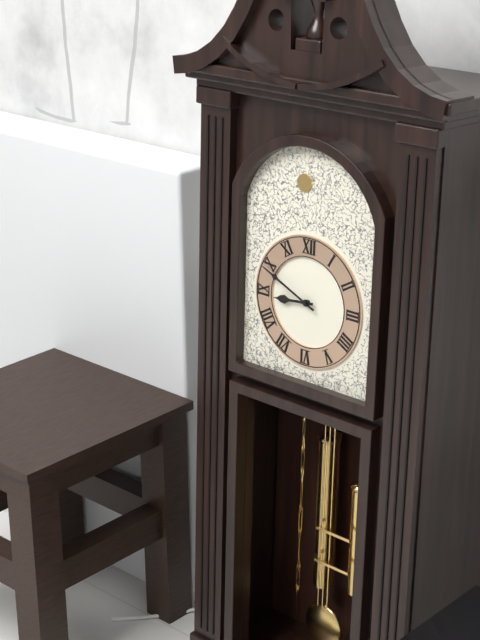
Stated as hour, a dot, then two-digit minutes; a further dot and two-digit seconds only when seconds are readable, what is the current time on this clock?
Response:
8.49
